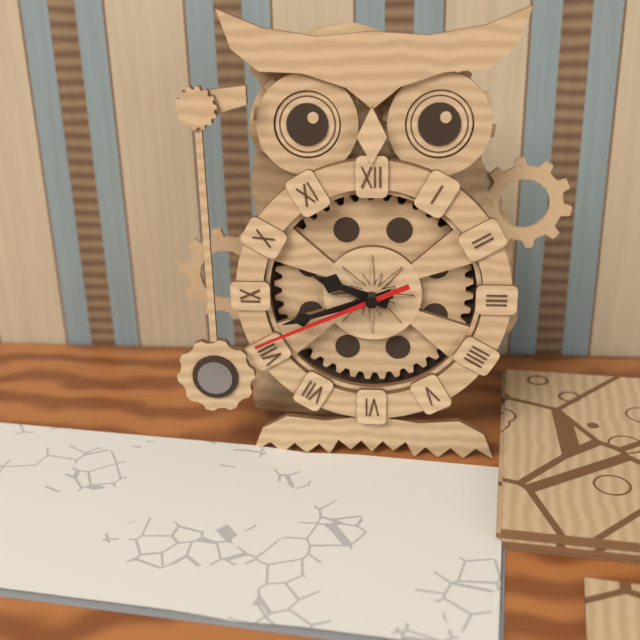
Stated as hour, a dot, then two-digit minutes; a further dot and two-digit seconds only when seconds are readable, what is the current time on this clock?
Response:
9.42.41
